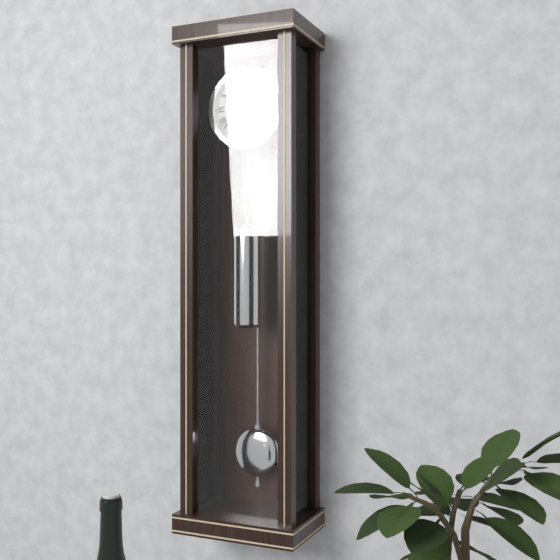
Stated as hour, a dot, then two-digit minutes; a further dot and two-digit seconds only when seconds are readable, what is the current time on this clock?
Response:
6.38
